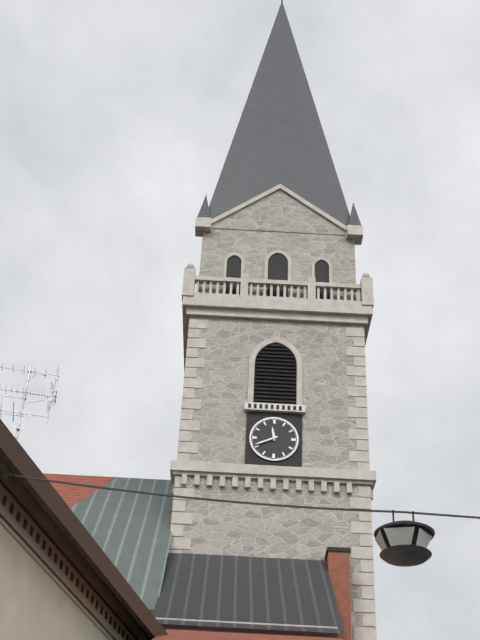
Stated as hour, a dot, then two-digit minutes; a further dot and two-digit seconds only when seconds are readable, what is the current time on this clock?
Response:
11.41
